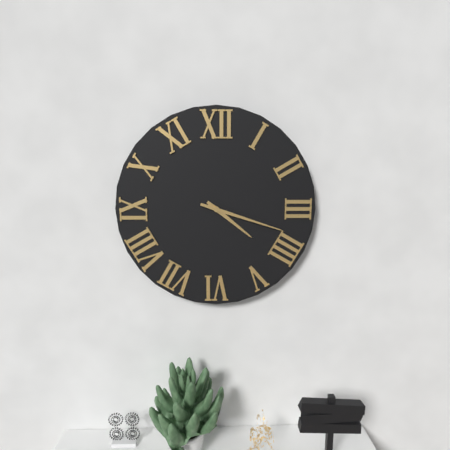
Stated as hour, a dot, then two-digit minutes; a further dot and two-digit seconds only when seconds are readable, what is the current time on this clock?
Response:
4.18
